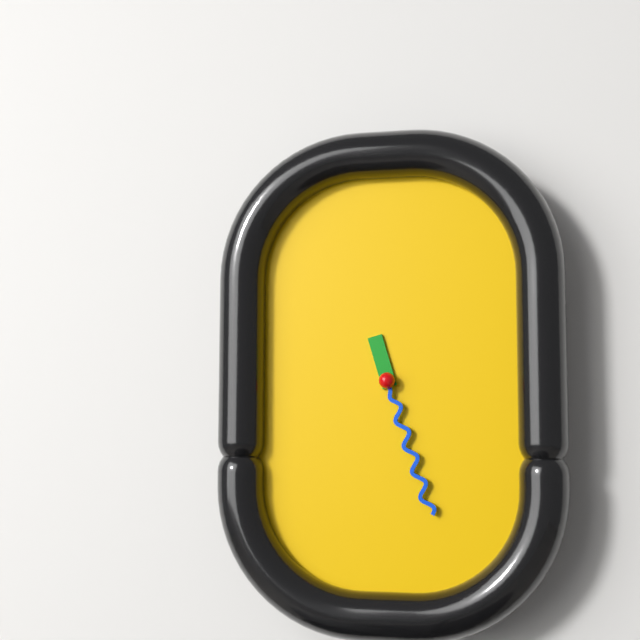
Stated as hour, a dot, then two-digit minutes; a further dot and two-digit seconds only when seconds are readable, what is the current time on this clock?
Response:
11.27
